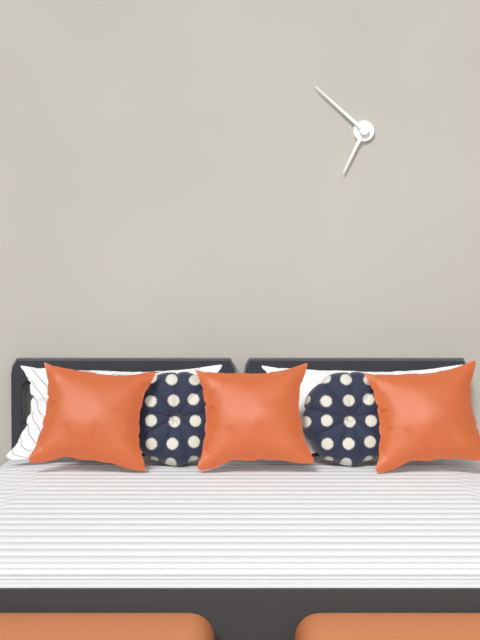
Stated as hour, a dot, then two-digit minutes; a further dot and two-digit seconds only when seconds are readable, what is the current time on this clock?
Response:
6.52
